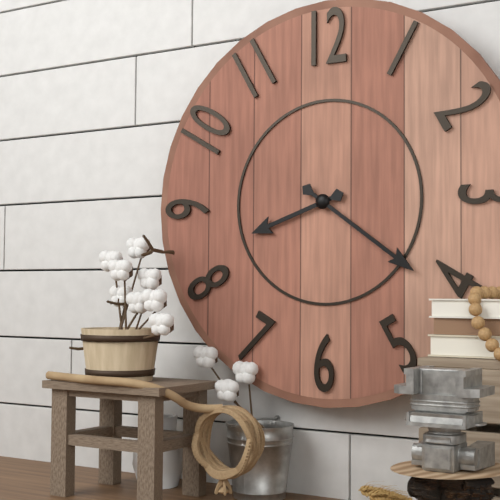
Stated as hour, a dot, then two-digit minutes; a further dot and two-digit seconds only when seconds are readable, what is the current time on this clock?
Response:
8.21
